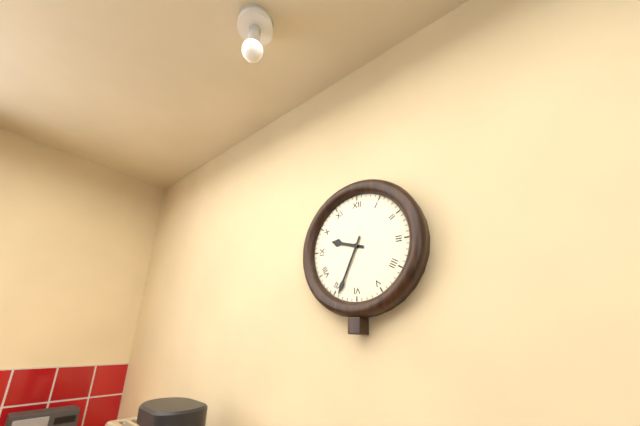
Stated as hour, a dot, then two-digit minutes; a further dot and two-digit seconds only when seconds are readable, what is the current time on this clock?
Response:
9.34
